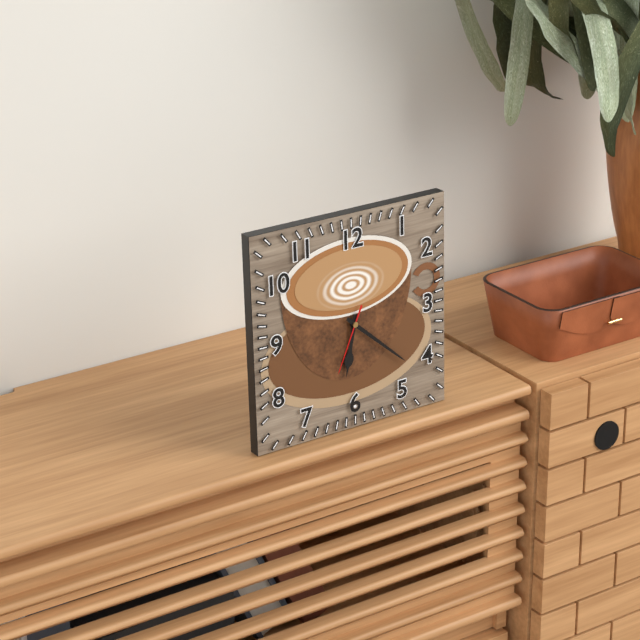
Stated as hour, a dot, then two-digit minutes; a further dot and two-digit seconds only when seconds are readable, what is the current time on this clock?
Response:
6.22.34
